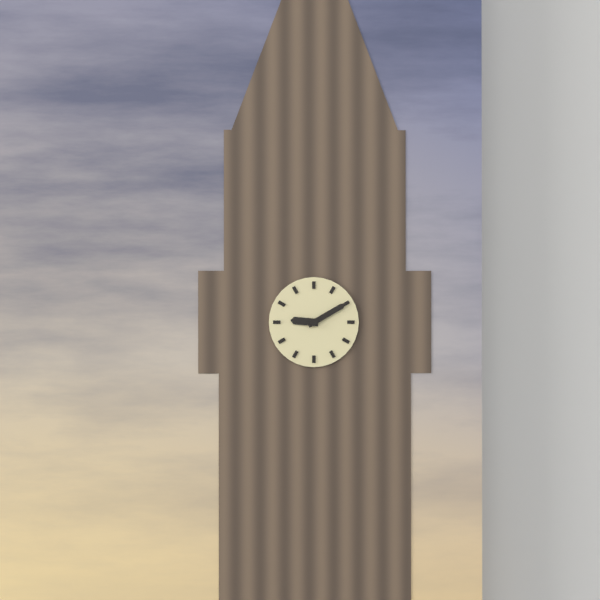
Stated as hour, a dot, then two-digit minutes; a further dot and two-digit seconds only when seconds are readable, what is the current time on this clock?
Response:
9.10
